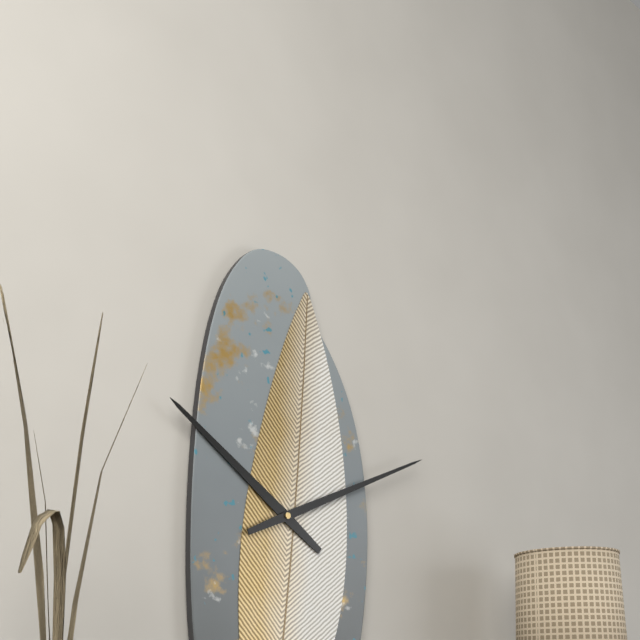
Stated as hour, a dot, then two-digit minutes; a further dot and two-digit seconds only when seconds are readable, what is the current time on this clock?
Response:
10.11
